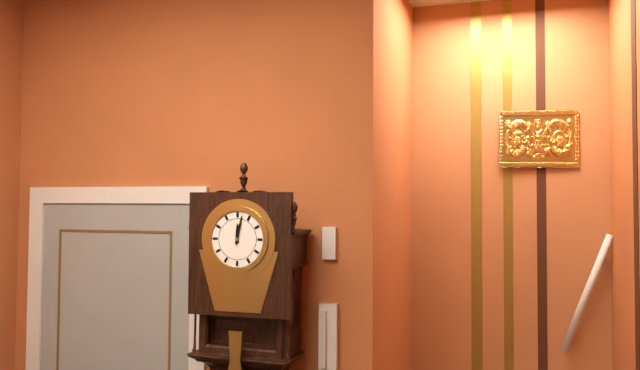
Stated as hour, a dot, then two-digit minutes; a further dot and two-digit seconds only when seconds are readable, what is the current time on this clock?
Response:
12.02
